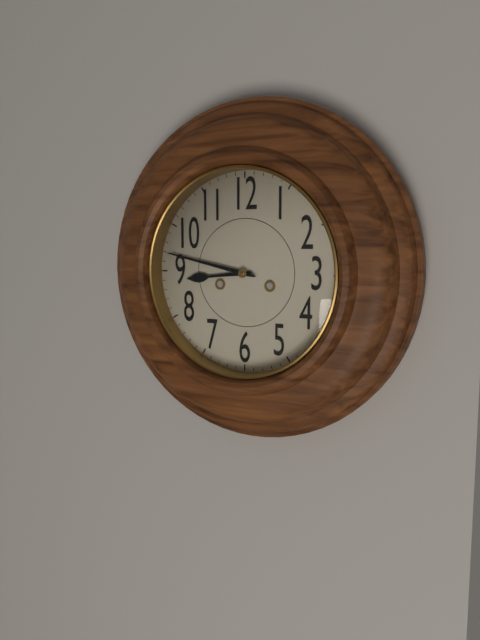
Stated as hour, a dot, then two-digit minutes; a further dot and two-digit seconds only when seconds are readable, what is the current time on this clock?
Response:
8.47
